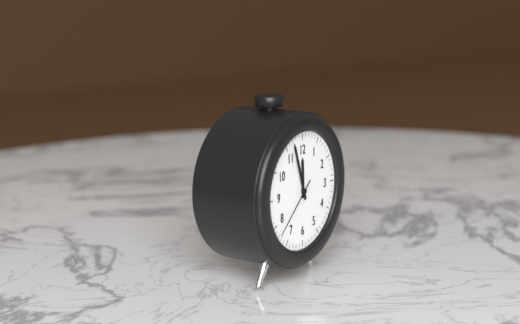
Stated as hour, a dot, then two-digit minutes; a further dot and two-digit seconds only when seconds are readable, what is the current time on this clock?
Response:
11.57.38
